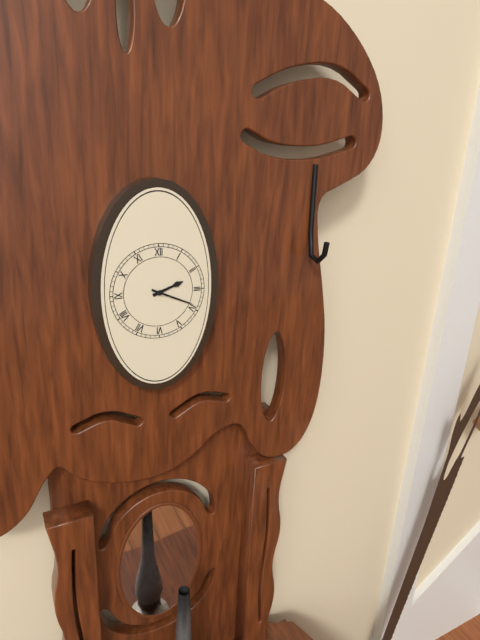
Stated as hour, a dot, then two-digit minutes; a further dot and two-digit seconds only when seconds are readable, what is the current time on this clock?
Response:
2.19
